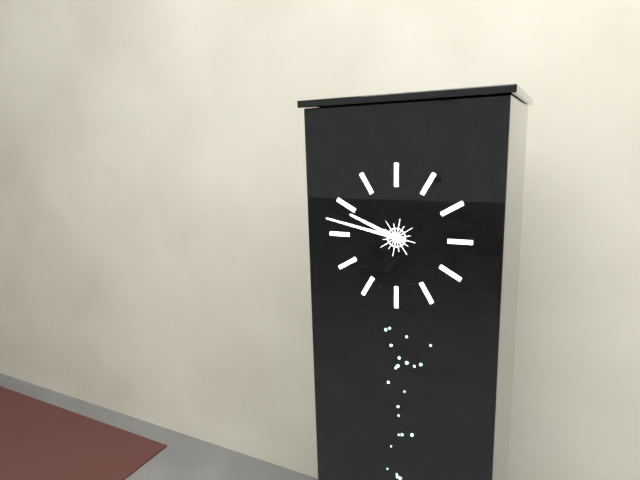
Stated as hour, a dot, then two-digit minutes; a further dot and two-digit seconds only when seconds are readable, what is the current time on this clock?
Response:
9.47
